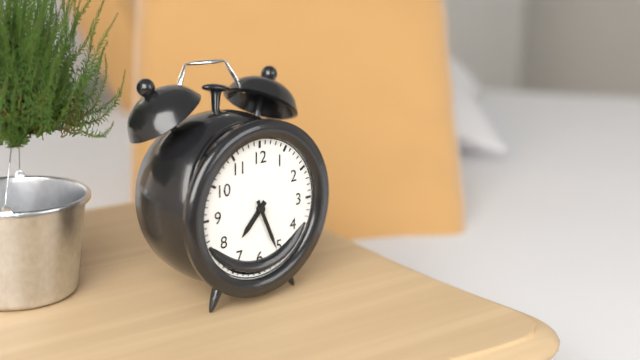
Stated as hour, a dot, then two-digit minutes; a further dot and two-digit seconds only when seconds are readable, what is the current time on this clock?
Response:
7.26
